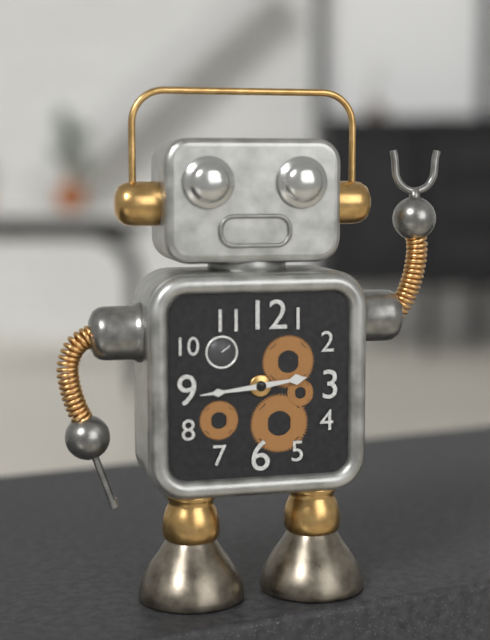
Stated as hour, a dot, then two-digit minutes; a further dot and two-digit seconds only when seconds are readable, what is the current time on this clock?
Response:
2.44
